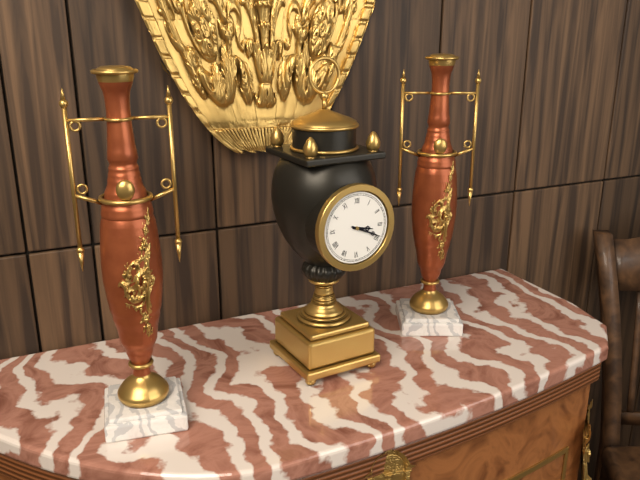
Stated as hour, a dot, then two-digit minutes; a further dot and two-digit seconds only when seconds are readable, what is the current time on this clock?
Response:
3.19
